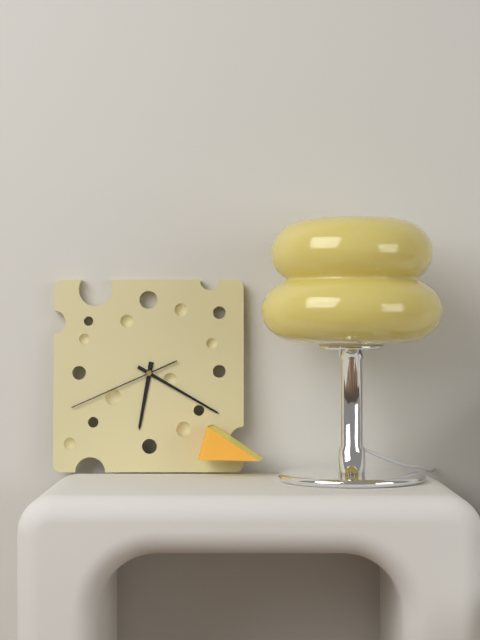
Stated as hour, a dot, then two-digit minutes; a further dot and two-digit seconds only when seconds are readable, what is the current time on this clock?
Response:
6.20.41
